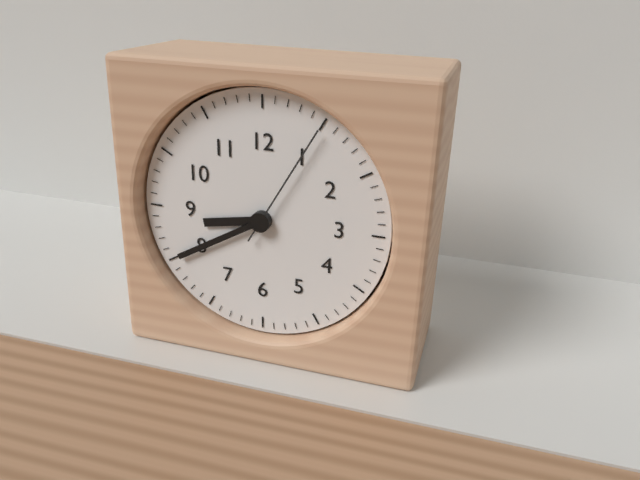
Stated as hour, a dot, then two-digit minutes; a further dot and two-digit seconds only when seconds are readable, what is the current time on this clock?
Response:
8.40.05
